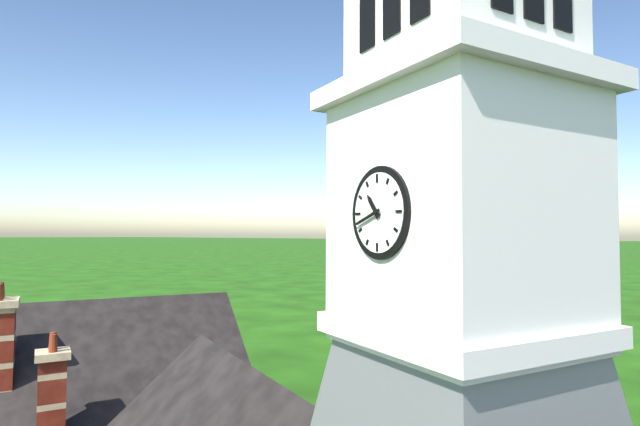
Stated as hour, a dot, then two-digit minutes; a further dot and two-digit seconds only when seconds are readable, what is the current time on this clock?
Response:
10.42
